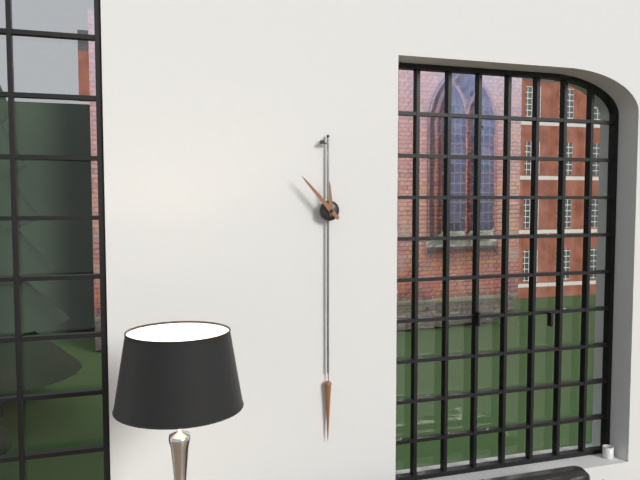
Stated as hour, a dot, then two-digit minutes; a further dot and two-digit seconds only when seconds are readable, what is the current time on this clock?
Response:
11.53
